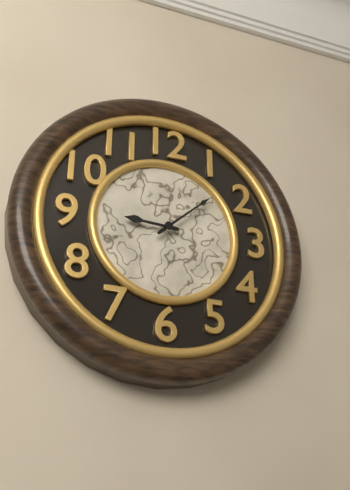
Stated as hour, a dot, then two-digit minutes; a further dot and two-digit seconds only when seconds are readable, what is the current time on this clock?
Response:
9.08
